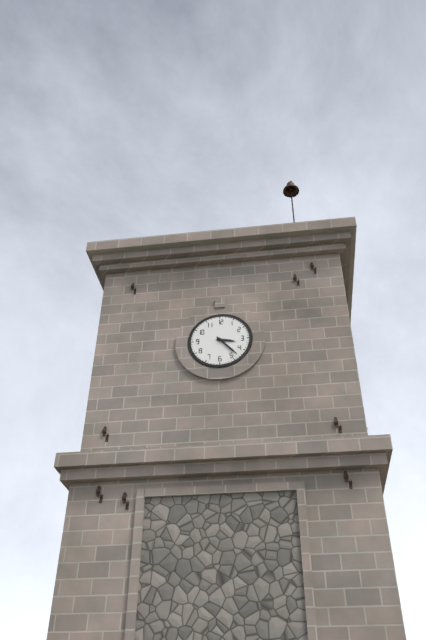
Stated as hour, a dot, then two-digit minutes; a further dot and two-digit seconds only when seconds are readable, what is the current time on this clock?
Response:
3.23
